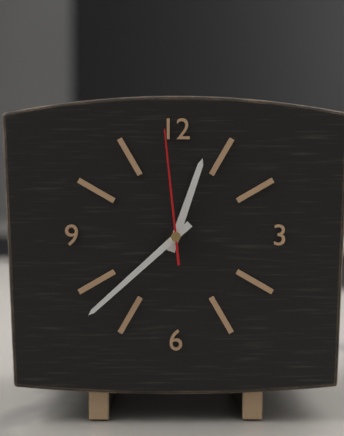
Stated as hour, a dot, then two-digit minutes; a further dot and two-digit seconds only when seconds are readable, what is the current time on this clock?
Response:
12.38.59
